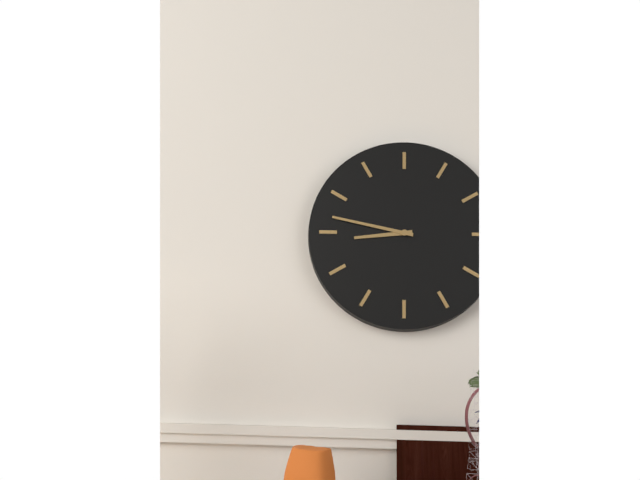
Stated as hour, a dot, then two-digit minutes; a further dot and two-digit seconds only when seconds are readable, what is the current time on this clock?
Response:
8.47
